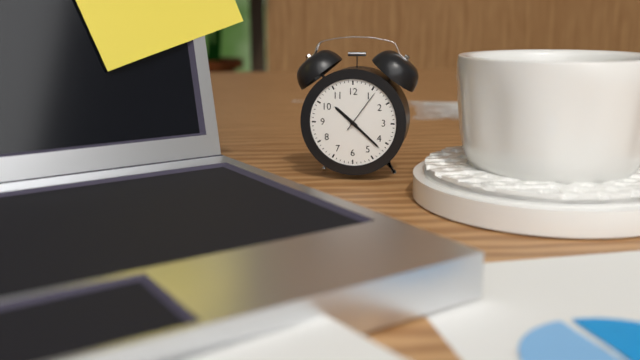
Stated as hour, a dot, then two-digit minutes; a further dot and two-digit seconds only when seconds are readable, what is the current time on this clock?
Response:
10.22
